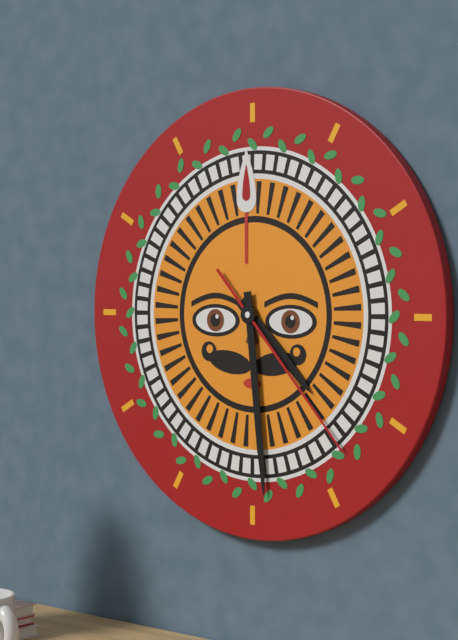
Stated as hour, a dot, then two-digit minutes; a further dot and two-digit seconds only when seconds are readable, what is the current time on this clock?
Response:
4.29.23
